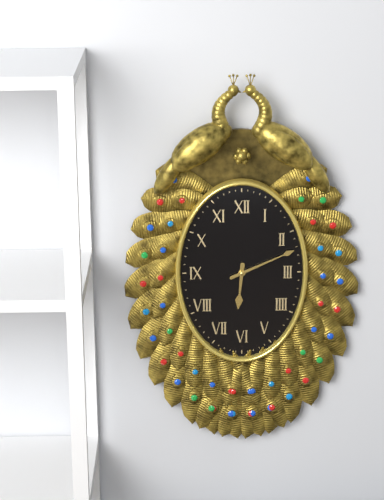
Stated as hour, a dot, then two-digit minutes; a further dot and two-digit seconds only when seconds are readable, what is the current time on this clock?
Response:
6.11
